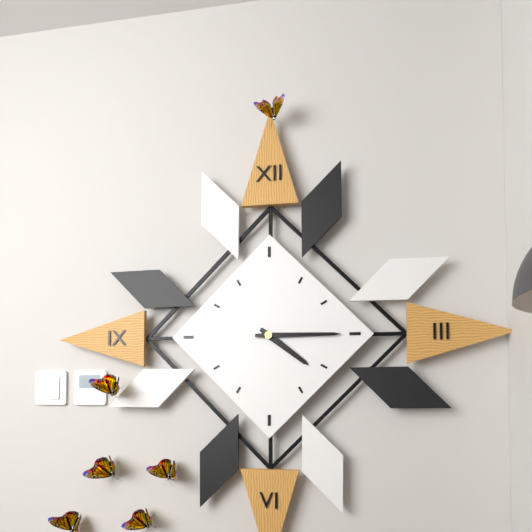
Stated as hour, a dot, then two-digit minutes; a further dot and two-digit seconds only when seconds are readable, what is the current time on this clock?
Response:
4.15
